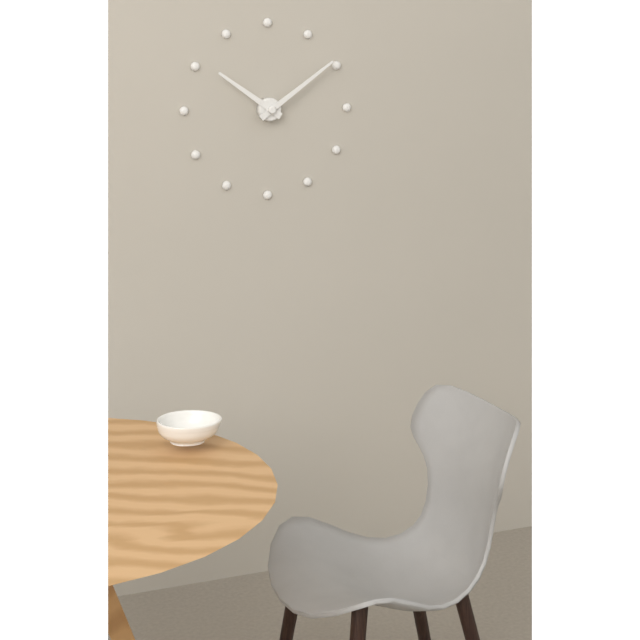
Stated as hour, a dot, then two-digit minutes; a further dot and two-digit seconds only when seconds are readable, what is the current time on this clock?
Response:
10.09
